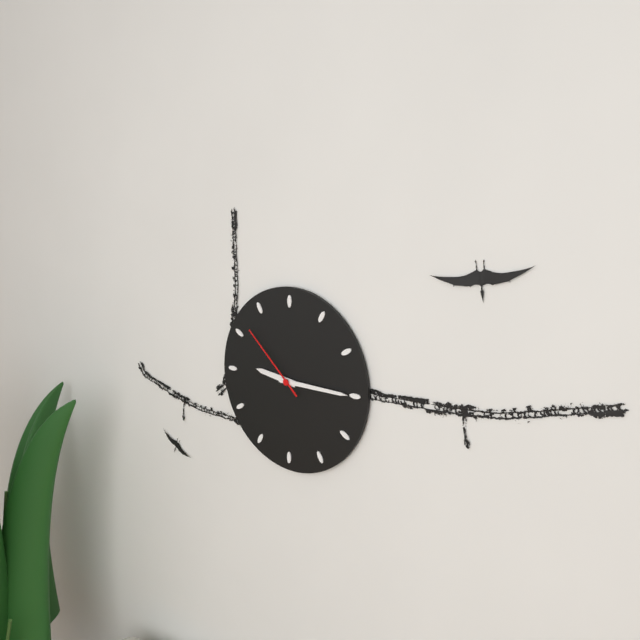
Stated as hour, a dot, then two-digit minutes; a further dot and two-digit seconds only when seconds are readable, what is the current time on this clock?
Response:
9.15.52
